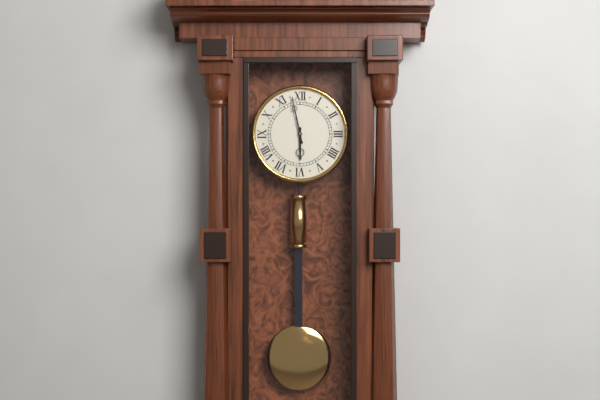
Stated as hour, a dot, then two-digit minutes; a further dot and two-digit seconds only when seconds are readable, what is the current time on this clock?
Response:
5.58
